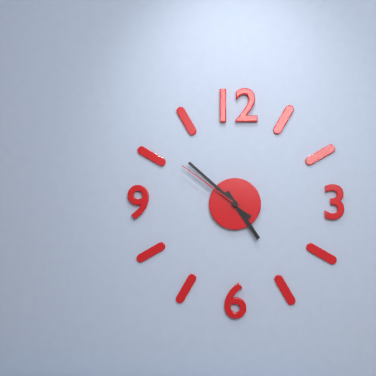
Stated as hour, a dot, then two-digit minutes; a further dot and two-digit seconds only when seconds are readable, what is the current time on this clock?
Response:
4.52.51
